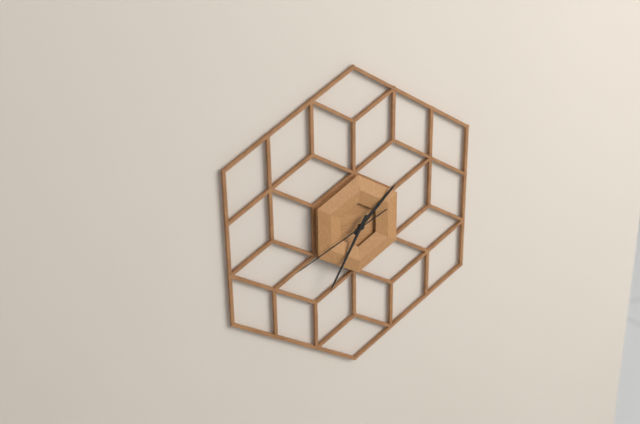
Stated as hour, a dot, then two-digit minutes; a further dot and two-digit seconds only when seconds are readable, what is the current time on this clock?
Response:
1.35.41
